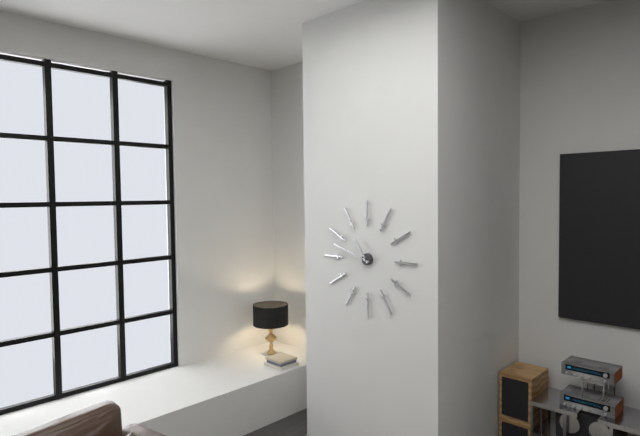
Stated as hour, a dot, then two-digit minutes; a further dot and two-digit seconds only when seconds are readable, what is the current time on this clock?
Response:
10.48
